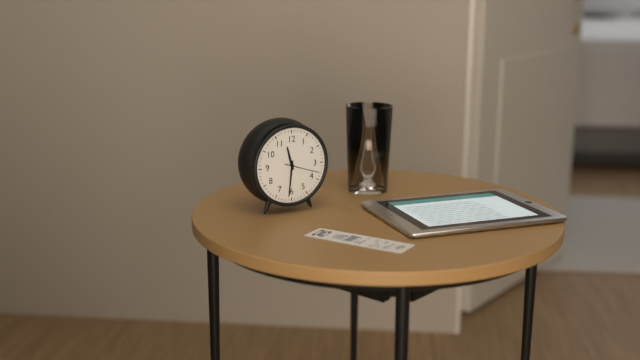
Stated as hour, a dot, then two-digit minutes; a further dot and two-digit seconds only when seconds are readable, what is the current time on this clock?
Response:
11.31
